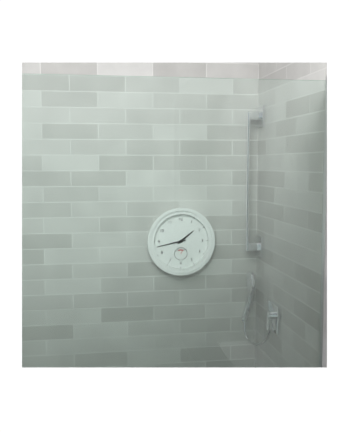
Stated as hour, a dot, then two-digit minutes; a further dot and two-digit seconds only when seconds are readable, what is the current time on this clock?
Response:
1.43
